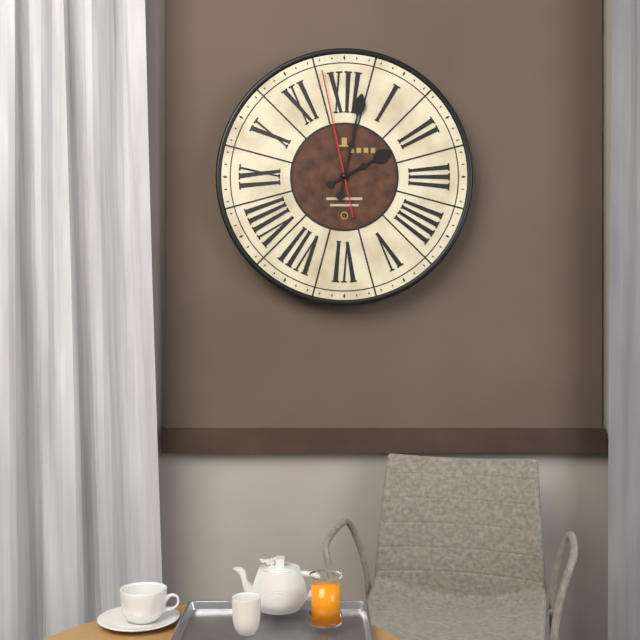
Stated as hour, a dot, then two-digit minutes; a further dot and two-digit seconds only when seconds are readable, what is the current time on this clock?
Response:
2.02.58
